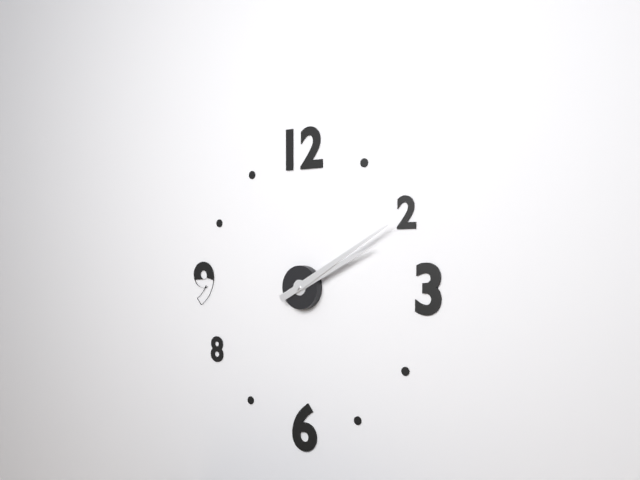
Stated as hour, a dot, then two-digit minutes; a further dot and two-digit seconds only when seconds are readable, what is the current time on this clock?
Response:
2.10
